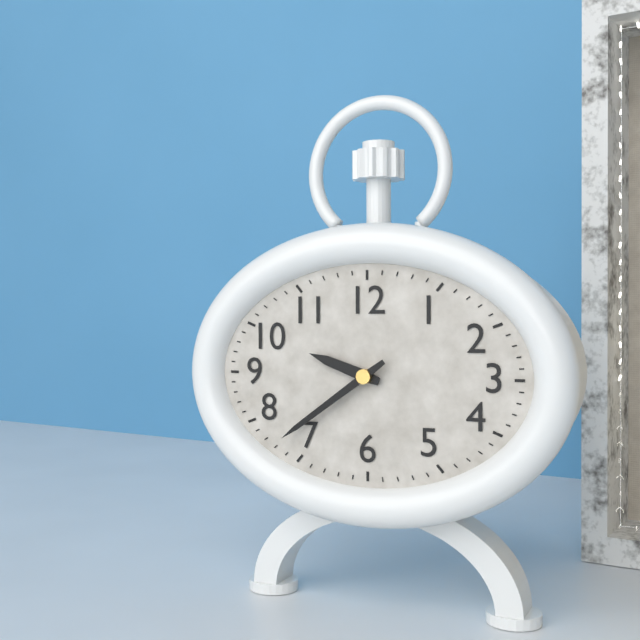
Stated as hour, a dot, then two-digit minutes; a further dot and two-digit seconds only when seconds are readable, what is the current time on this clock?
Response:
9.39
